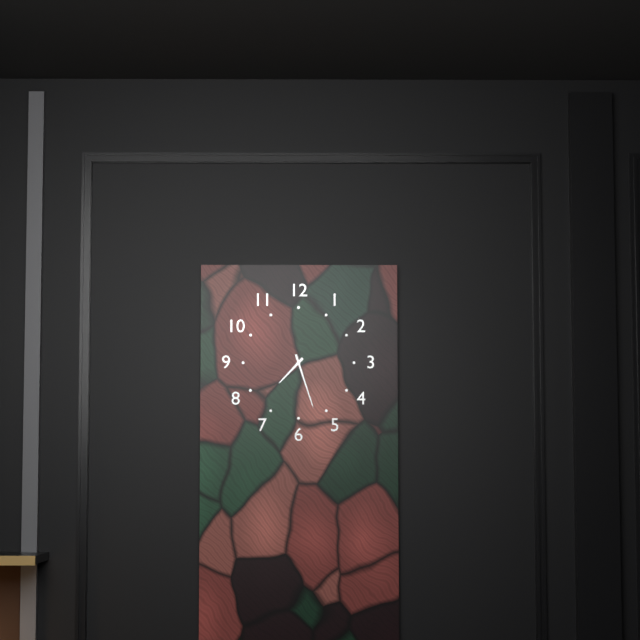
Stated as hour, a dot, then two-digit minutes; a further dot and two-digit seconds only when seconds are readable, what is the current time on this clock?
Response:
7.27
